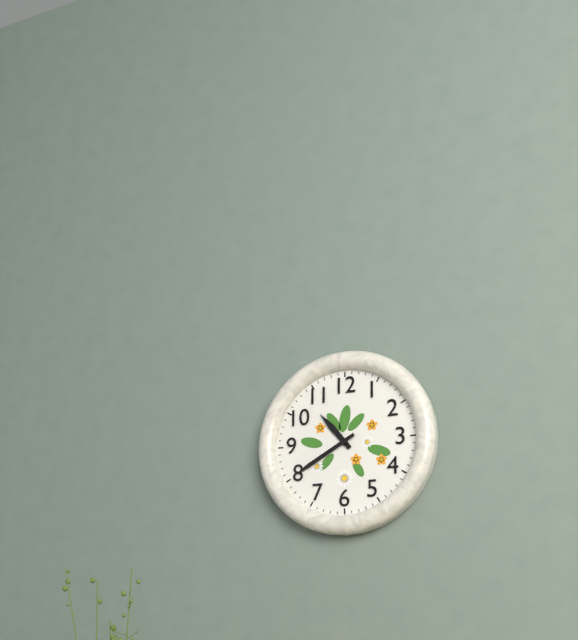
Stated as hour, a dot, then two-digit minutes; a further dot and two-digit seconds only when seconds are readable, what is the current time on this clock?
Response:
10.40
